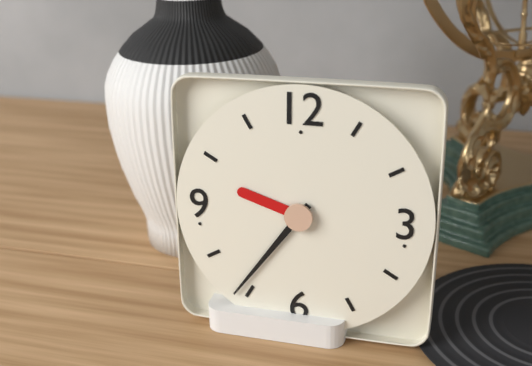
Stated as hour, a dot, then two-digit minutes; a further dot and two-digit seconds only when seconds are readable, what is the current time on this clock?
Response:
9.36
